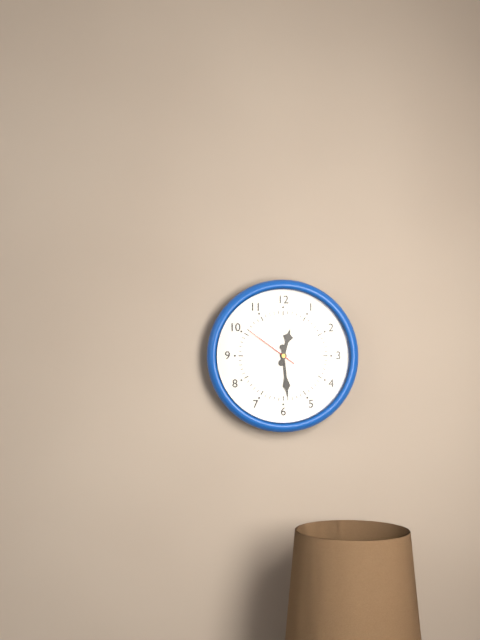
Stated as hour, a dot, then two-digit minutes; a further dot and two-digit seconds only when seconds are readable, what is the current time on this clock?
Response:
12.29.51
